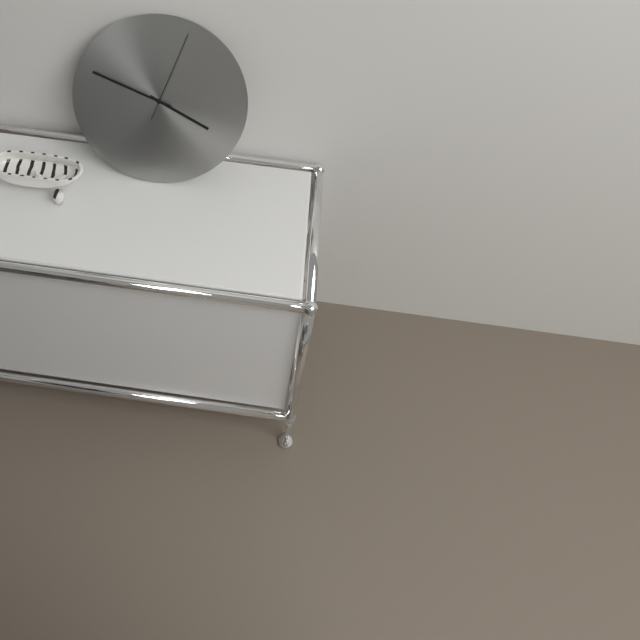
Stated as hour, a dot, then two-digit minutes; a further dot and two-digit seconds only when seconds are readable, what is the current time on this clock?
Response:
3.48.03
